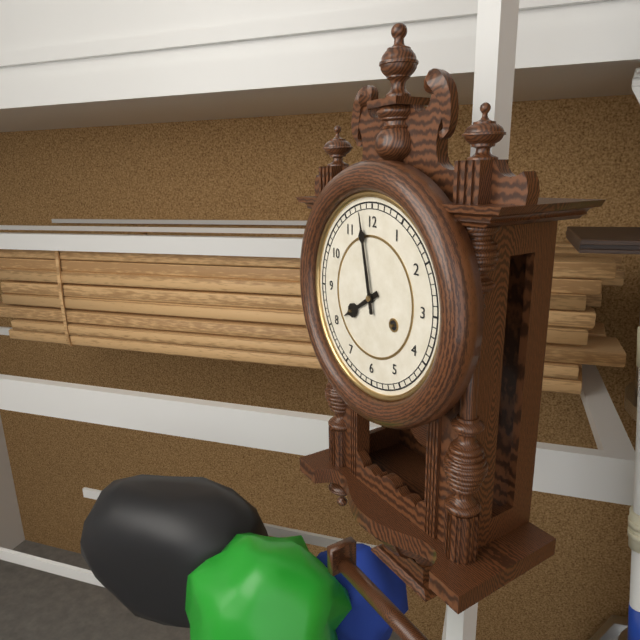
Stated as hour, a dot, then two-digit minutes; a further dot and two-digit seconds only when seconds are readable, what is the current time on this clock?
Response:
7.58
